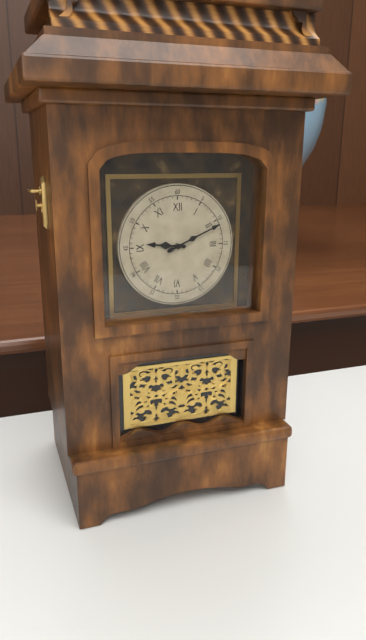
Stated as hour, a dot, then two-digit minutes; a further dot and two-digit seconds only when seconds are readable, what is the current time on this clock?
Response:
9.11
